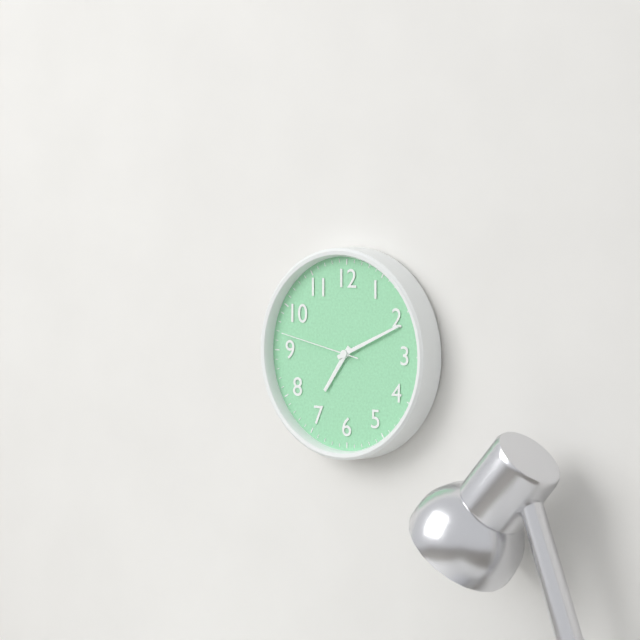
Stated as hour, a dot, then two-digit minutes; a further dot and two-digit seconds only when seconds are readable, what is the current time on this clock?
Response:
7.11.47
